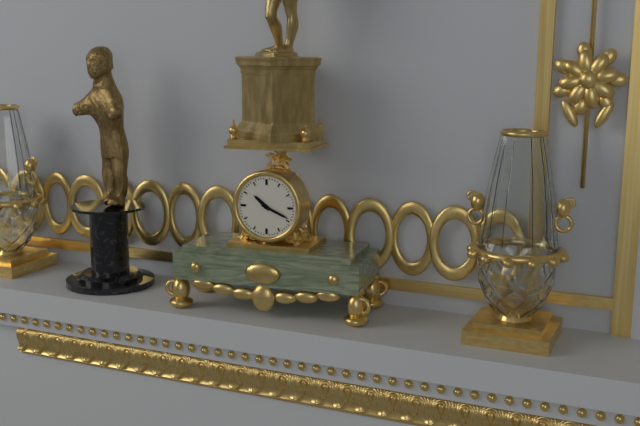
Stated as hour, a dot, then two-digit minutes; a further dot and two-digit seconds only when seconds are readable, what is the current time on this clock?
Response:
10.19
